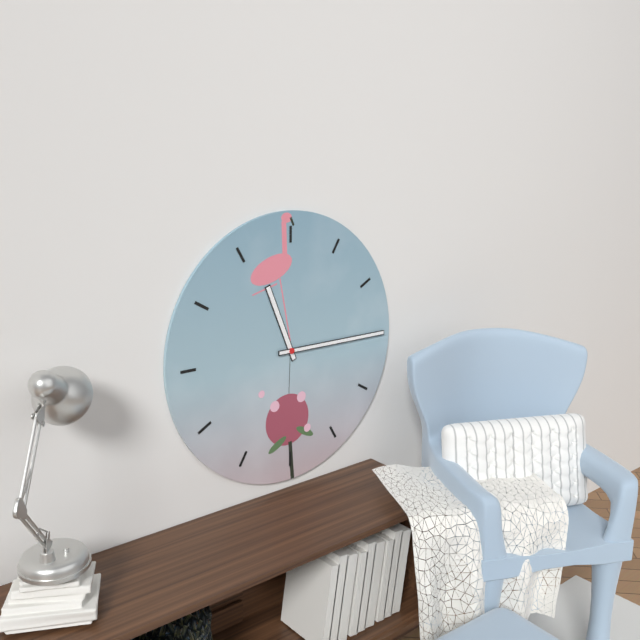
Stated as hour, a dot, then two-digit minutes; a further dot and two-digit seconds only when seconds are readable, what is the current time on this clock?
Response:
11.15
